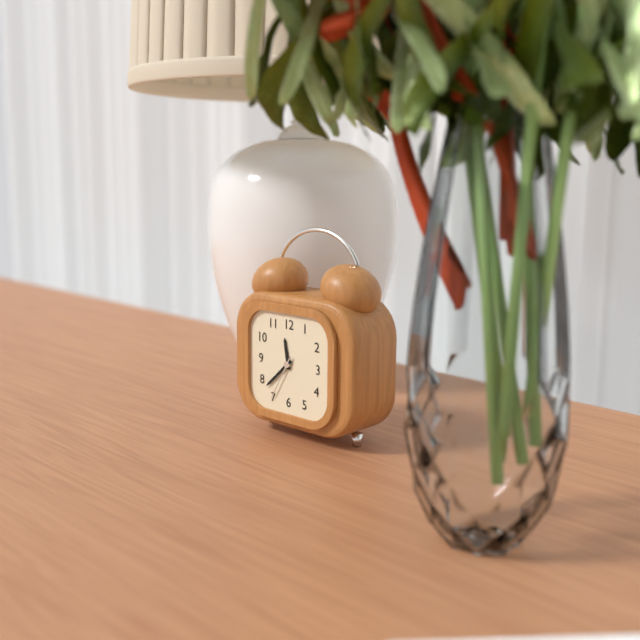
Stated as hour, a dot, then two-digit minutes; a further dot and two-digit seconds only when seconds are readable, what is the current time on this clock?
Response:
11.38
